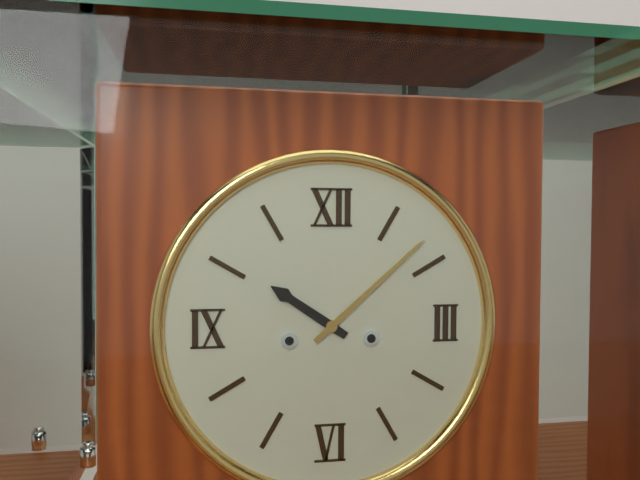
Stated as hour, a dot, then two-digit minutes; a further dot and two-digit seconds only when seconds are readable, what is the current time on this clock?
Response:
10.08
